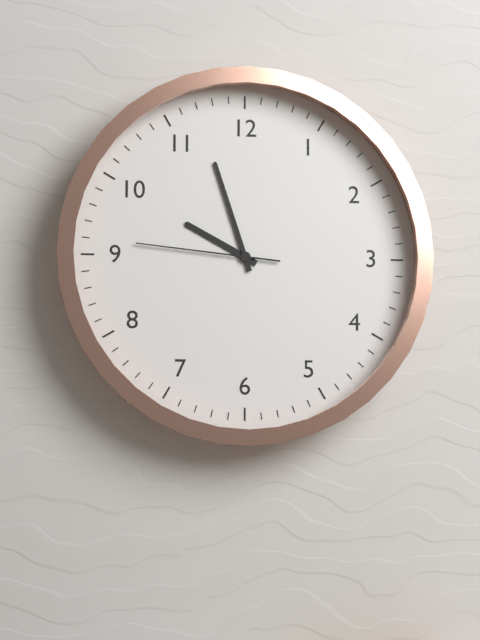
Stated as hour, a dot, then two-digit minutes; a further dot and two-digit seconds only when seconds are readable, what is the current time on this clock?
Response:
9.57.46
